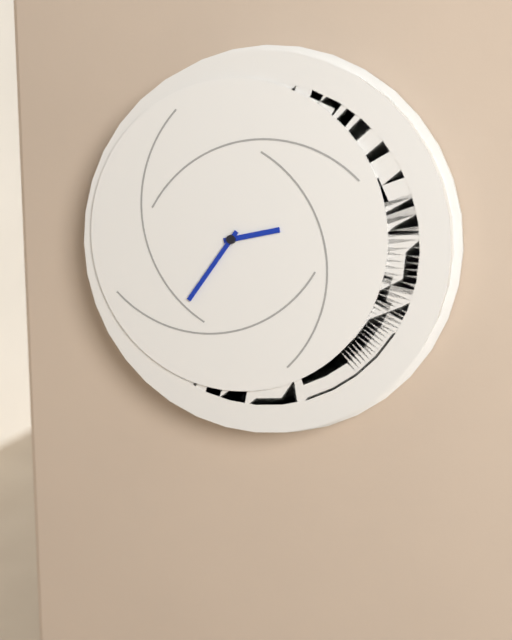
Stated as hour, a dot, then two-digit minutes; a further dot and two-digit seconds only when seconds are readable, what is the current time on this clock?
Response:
2.36
